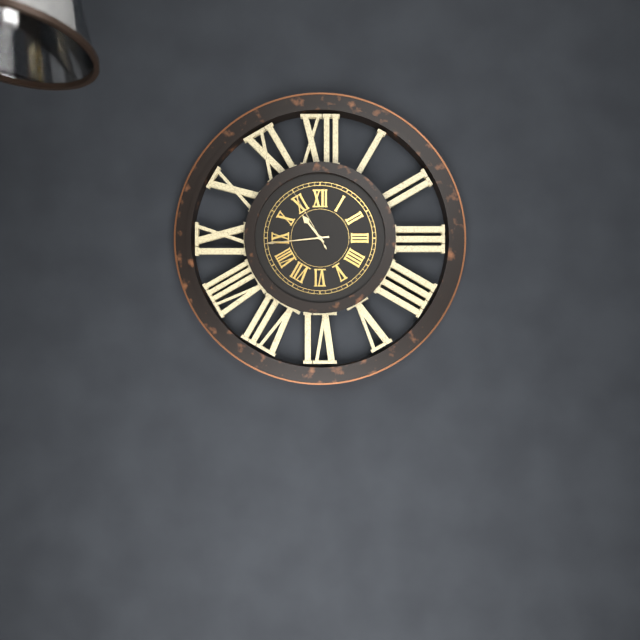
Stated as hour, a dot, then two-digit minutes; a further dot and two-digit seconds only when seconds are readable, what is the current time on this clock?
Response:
10.44.55
